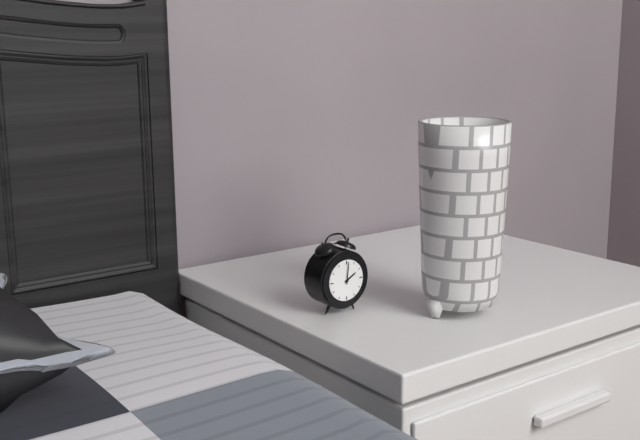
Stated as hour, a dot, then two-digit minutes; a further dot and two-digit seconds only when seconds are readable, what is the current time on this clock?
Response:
2.01
